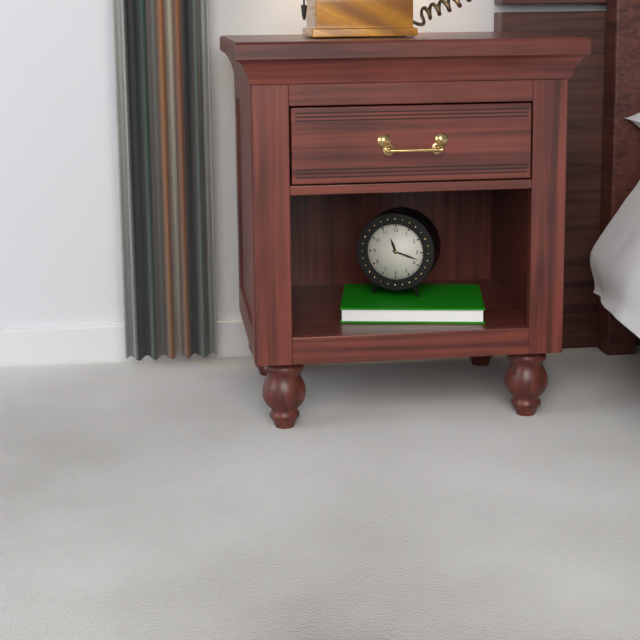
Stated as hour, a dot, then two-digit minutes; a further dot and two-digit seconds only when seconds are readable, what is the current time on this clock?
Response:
11.18
